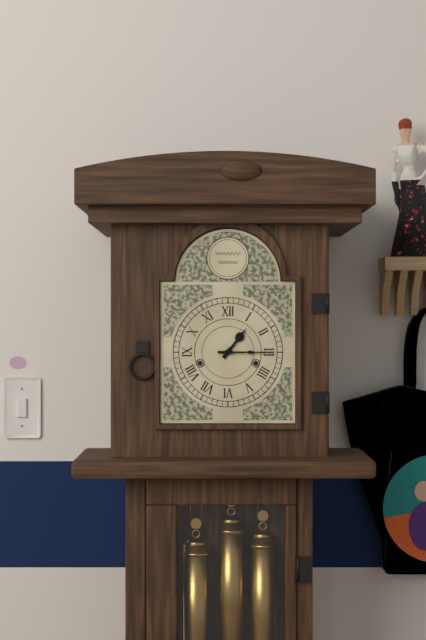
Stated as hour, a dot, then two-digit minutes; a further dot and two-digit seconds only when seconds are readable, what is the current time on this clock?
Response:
1.15
